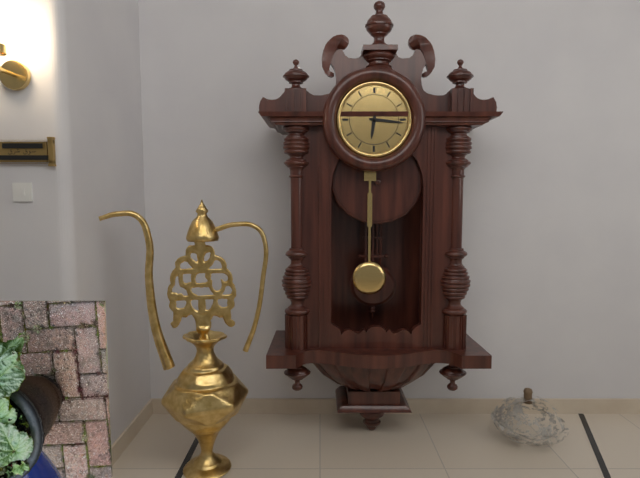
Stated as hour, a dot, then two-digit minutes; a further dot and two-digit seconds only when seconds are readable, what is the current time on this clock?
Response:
6.16
